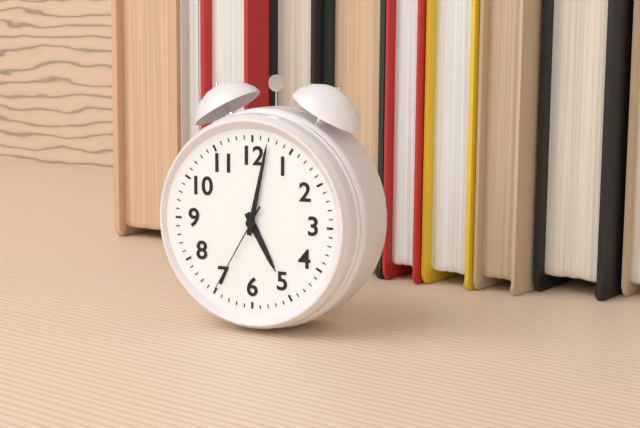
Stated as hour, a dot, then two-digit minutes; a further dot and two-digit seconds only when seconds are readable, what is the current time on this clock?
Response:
5.02.35
